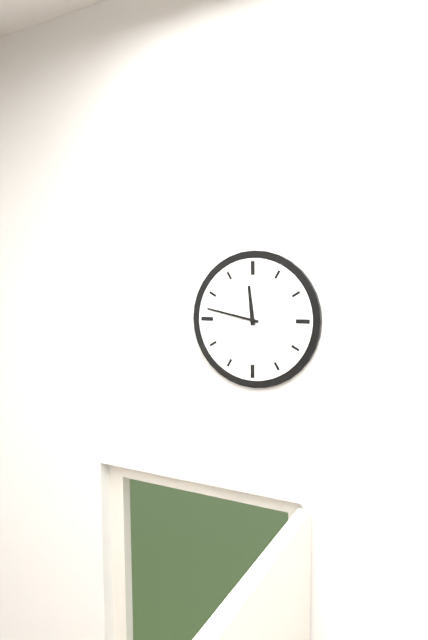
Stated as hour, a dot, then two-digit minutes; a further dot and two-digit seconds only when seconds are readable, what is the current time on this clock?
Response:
11.47
